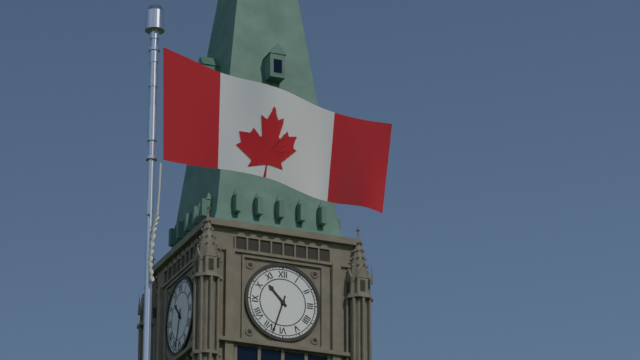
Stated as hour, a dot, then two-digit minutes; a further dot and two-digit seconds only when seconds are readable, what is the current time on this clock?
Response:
10.33
